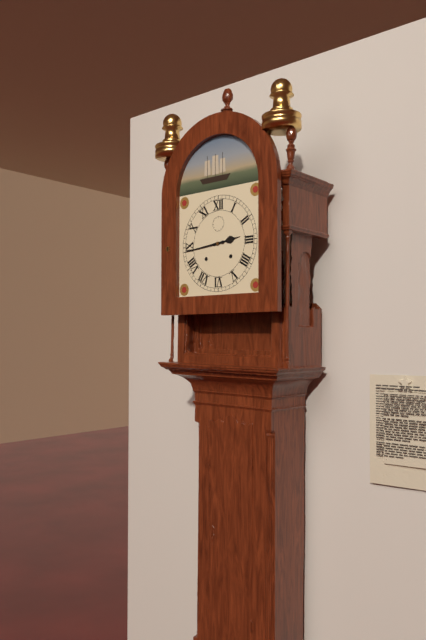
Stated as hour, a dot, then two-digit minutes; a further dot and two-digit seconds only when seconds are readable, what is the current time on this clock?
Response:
2.44
